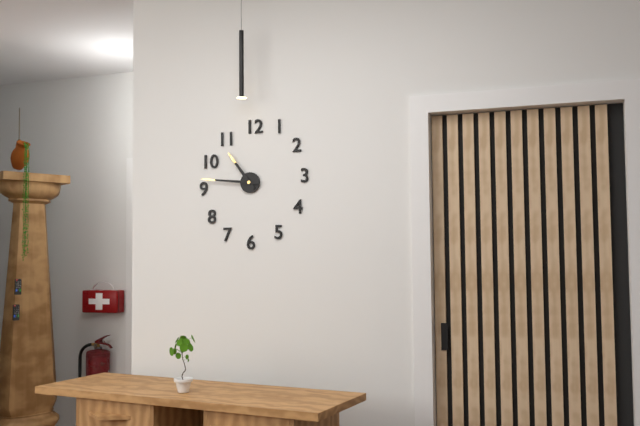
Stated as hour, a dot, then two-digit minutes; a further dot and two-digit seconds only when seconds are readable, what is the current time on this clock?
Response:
10.46
